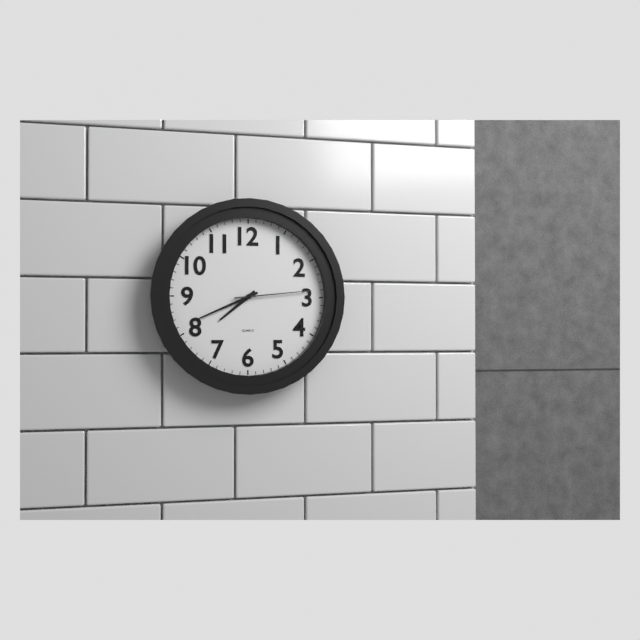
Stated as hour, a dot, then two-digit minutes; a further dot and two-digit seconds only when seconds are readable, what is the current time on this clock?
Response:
7.41.14
